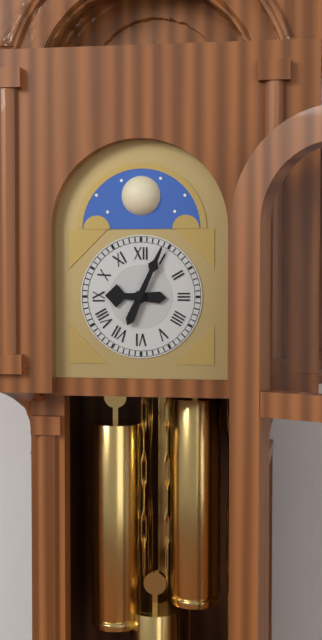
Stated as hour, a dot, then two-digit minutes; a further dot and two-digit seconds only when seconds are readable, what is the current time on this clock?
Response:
9.04
